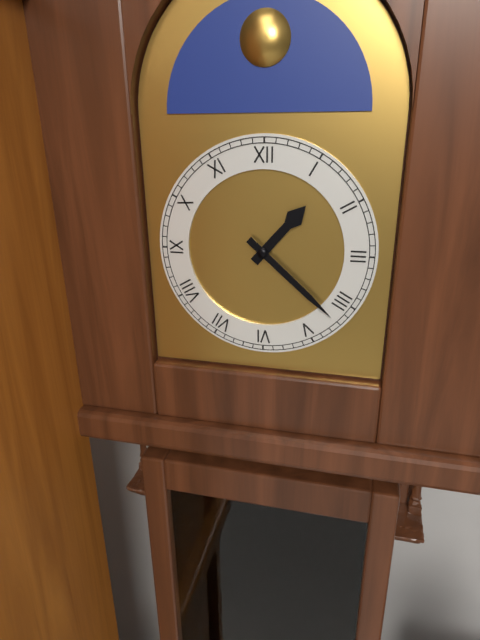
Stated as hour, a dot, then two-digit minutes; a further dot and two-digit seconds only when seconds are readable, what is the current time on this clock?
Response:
1.22
